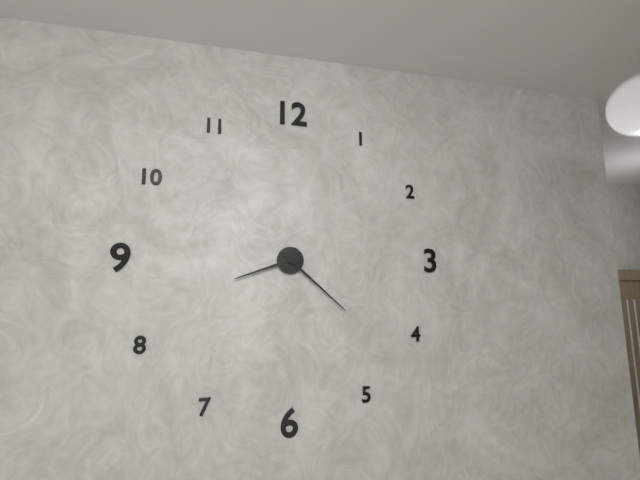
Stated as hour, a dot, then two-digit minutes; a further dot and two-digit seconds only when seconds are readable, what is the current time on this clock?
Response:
8.22
